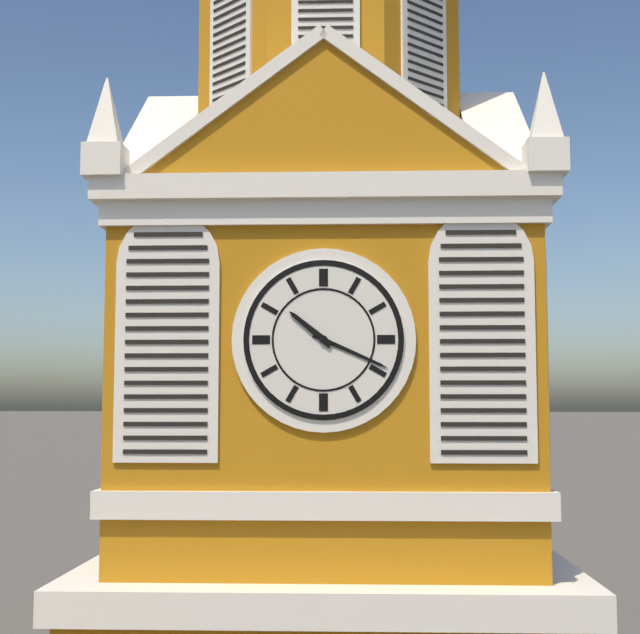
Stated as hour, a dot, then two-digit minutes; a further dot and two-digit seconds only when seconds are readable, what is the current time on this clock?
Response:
10.19
